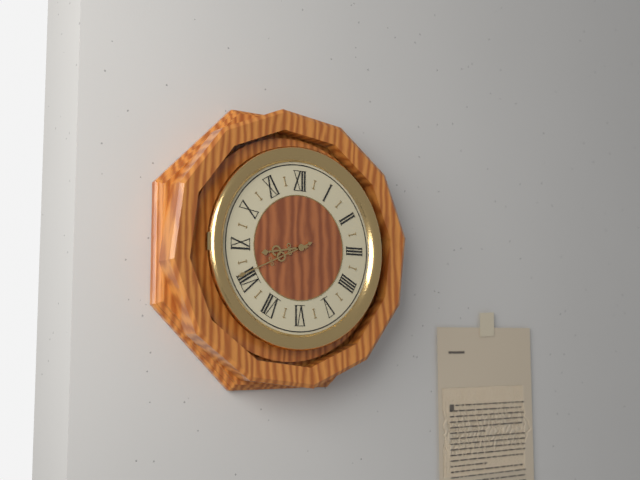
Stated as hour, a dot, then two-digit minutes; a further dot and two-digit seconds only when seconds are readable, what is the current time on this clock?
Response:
8.41
